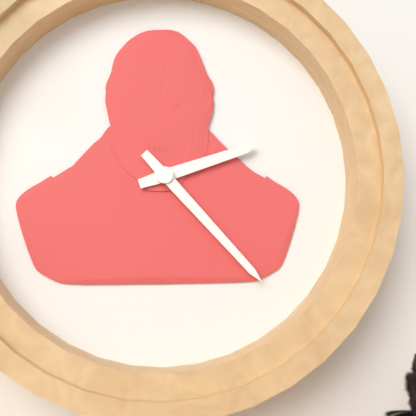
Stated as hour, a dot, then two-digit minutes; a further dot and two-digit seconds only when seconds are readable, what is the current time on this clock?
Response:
2.23
